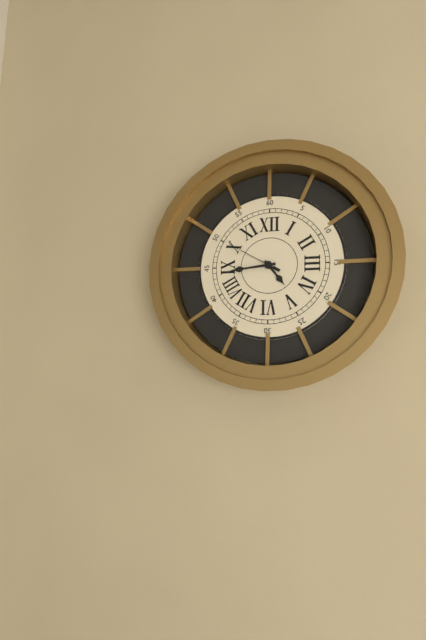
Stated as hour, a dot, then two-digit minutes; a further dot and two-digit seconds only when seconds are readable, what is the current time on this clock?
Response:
4.44.50
